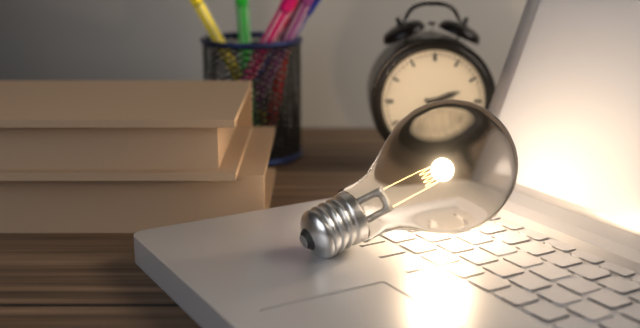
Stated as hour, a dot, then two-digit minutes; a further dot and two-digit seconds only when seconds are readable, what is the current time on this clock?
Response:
2.17
